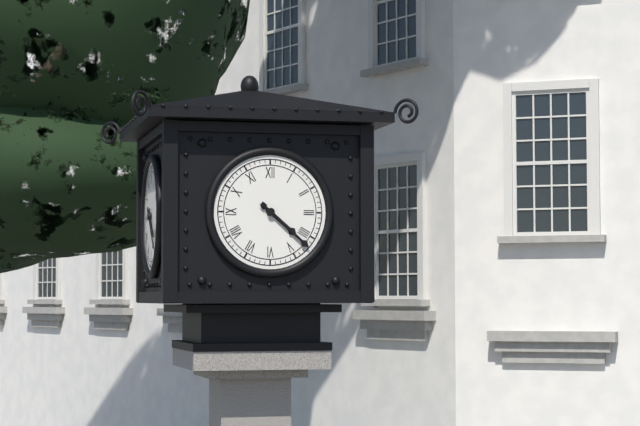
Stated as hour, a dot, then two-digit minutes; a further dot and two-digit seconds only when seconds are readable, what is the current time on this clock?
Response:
4.22
